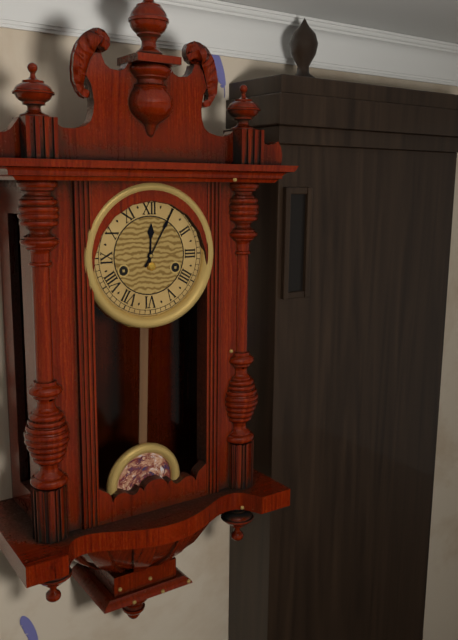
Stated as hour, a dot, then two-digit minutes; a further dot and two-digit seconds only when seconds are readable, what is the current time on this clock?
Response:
12.05
